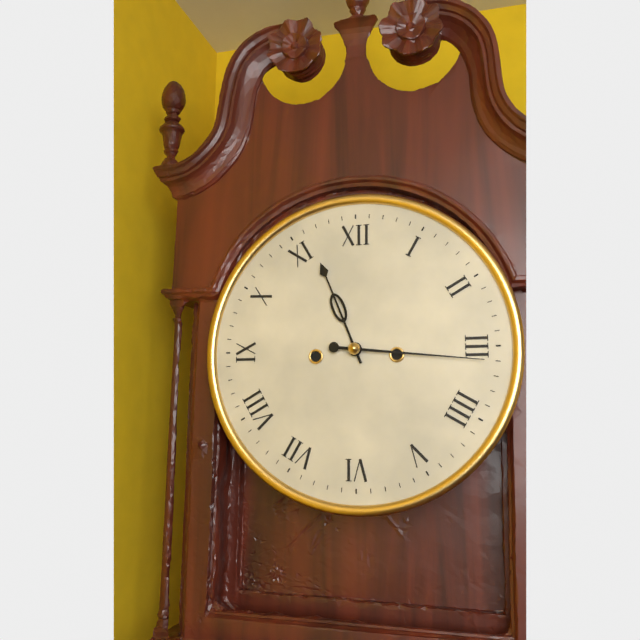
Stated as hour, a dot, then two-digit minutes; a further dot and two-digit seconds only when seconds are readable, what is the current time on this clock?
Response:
11.16
